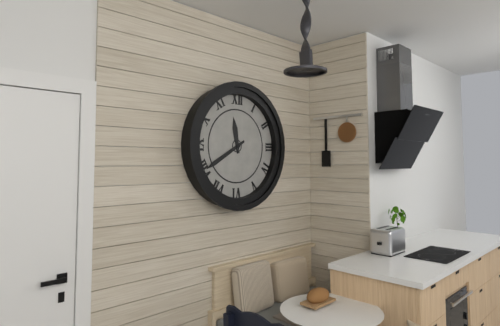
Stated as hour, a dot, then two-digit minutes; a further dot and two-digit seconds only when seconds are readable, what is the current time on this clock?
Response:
11.40
